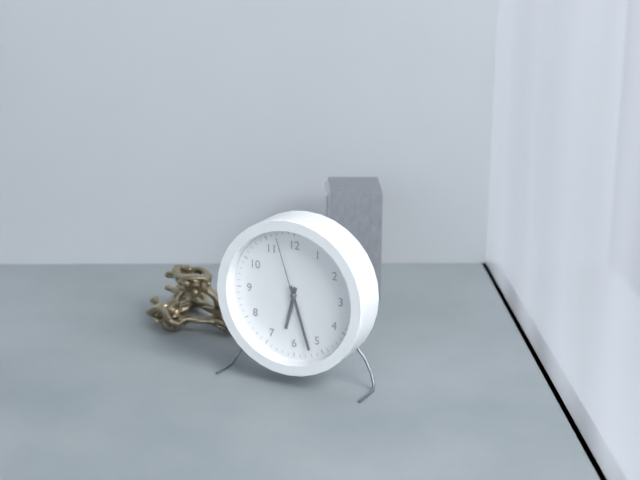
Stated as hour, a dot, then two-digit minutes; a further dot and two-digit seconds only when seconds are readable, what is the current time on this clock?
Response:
6.27.57
